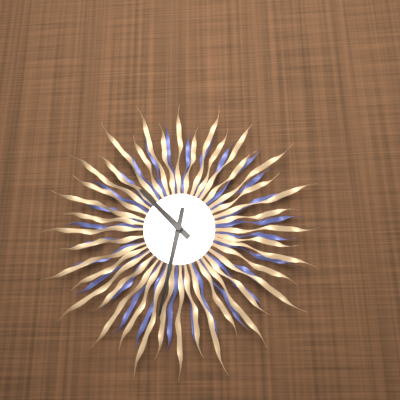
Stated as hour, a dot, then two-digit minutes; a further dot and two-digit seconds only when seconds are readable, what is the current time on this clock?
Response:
10.32
